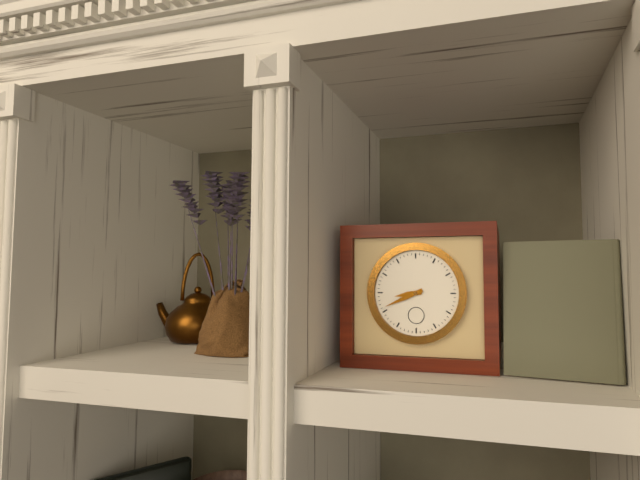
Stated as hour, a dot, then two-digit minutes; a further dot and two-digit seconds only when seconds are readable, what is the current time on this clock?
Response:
8.41
